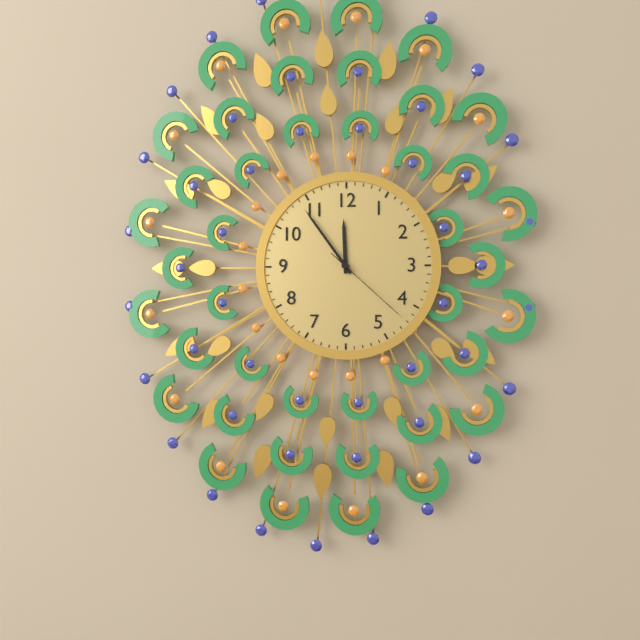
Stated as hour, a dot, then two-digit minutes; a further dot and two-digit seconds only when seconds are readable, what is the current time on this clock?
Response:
11.54.22
